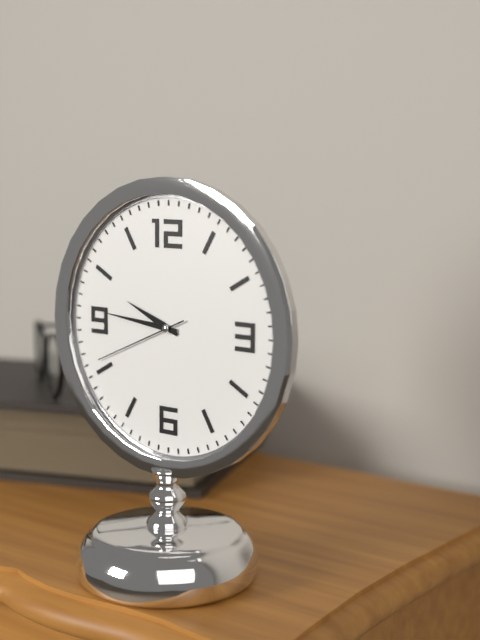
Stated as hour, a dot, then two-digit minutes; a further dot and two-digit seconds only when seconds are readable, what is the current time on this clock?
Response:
9.46.41
